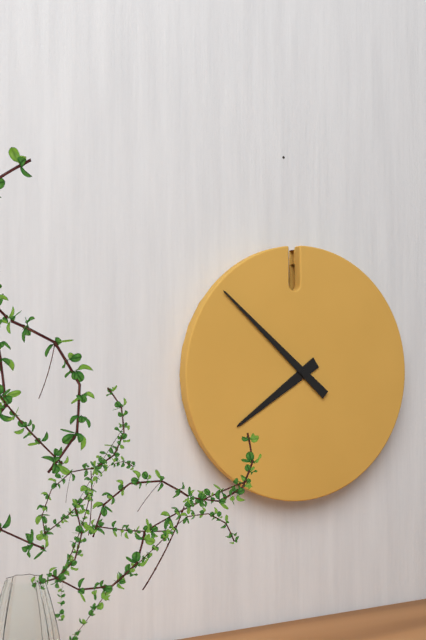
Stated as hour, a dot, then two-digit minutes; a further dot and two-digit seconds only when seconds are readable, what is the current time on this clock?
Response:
7.52
